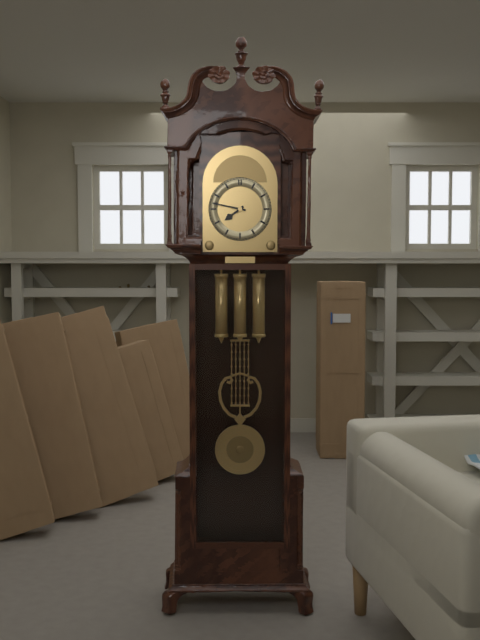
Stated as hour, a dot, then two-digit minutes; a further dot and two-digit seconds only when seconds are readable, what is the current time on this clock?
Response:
7.47
